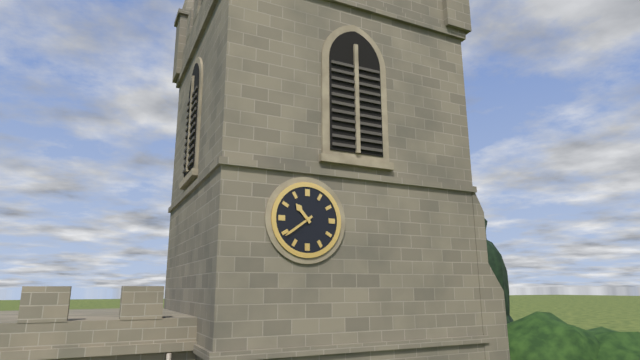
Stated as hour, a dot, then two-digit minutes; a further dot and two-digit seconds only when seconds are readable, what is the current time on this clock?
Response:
10.39
